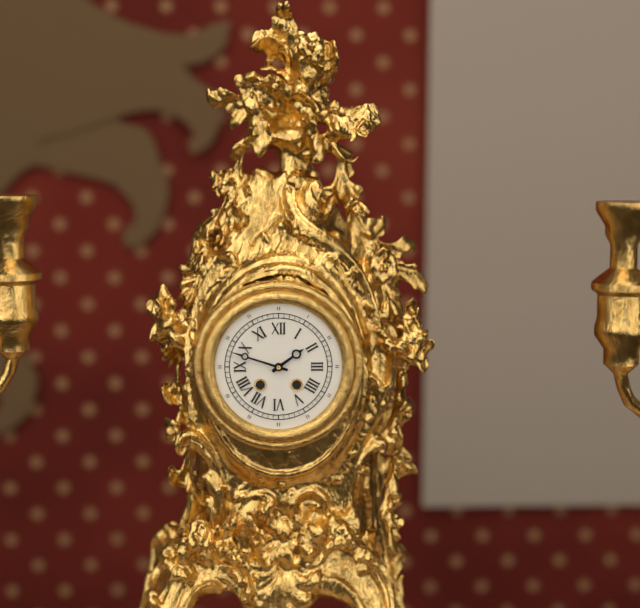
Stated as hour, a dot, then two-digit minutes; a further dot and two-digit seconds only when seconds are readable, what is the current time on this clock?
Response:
1.48
